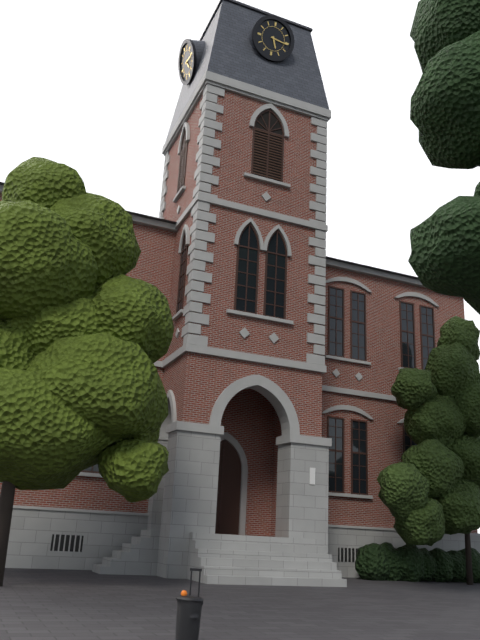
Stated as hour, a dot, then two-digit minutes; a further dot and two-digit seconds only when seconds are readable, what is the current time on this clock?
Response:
5.16
